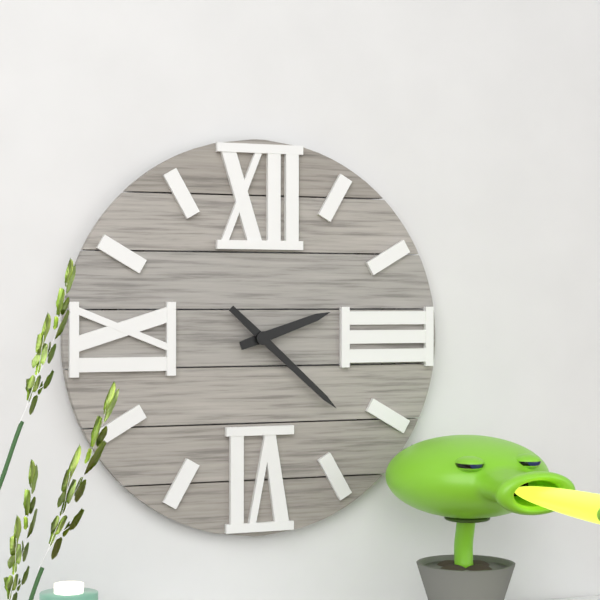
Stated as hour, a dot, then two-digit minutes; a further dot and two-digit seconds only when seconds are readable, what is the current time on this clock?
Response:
2.22
